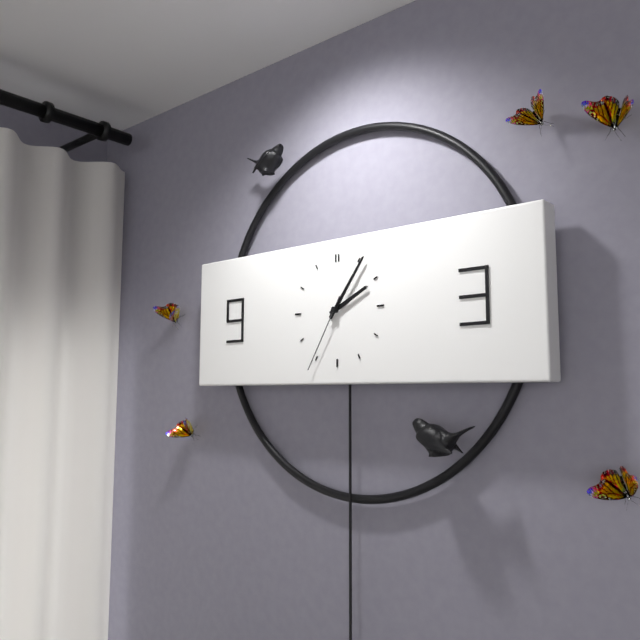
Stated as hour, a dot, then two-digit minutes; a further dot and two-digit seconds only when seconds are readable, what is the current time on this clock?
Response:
2.06.35
